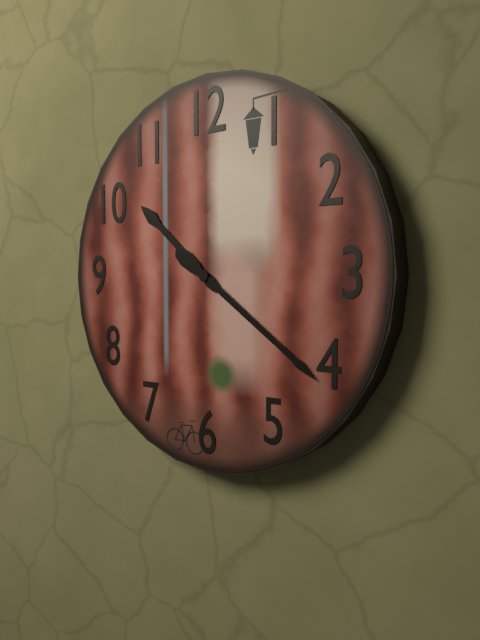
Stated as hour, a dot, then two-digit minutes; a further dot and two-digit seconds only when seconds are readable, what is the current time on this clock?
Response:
10.21
